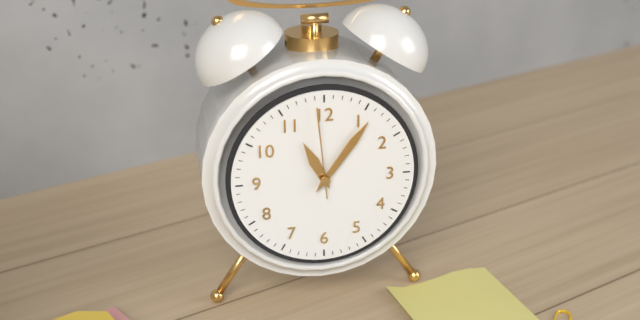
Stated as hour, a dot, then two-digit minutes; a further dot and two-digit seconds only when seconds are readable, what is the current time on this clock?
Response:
11.06.59
